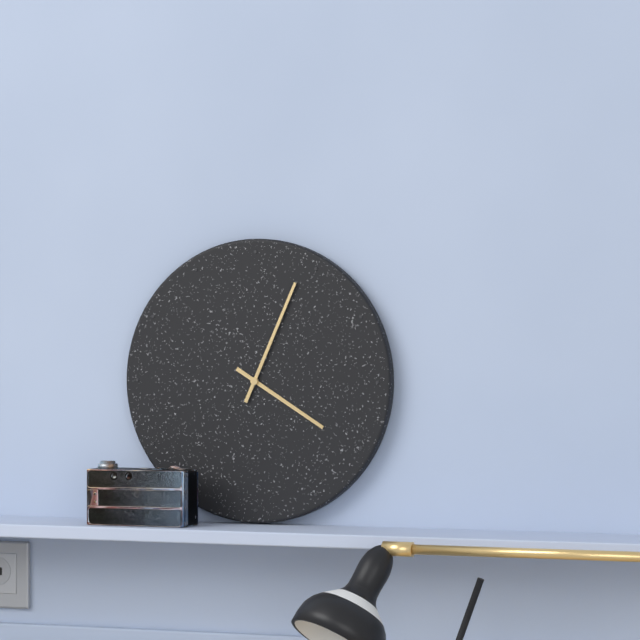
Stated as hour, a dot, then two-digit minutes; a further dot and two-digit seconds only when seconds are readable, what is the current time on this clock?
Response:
4.04
